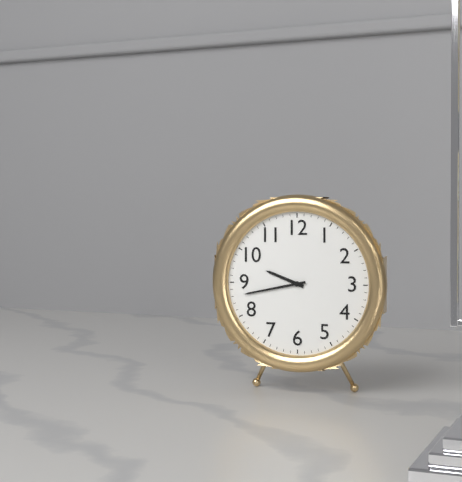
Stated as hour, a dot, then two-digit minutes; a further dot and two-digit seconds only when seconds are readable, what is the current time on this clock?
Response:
9.43
